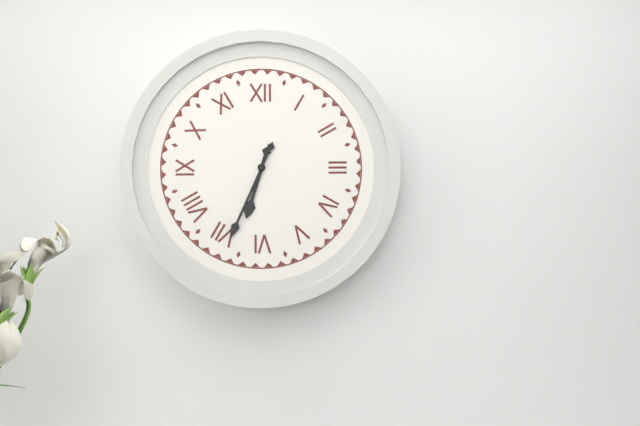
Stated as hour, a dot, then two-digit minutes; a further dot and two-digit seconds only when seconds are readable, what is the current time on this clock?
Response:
6.34
